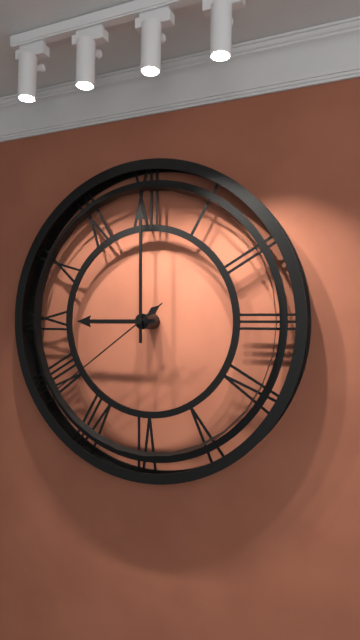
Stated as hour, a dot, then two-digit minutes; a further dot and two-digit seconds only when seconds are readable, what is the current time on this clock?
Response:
9.00.39
